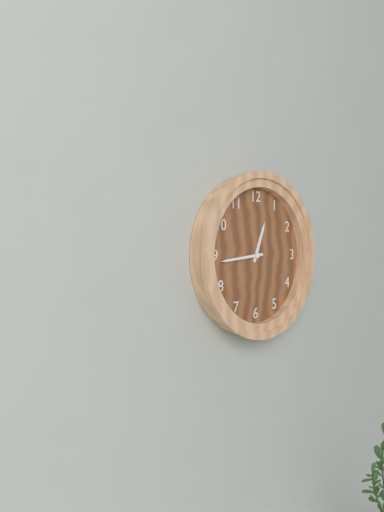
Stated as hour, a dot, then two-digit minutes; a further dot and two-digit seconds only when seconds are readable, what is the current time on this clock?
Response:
12.44
